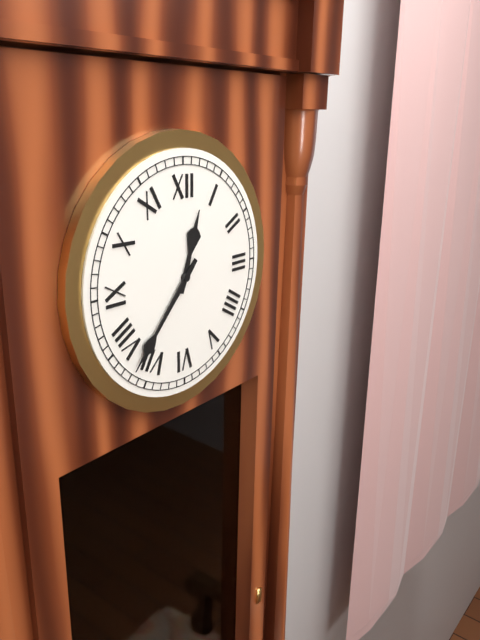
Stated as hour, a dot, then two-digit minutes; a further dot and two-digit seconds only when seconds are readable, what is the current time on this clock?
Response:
12.37
